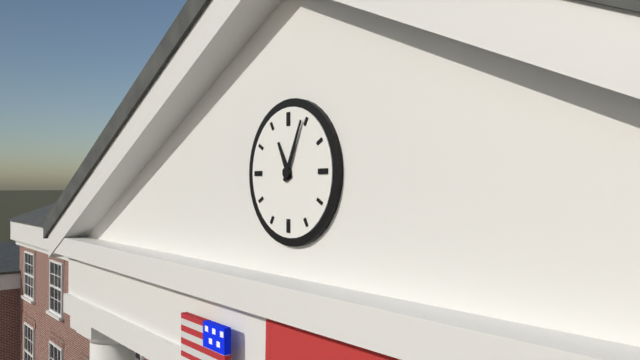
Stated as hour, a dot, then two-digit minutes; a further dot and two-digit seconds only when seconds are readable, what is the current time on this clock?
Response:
11.04
